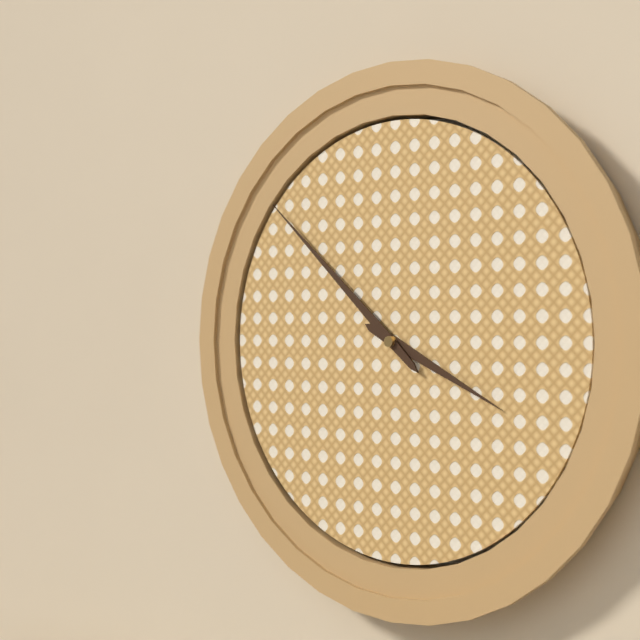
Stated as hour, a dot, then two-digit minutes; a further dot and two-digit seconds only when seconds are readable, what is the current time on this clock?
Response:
3.52
